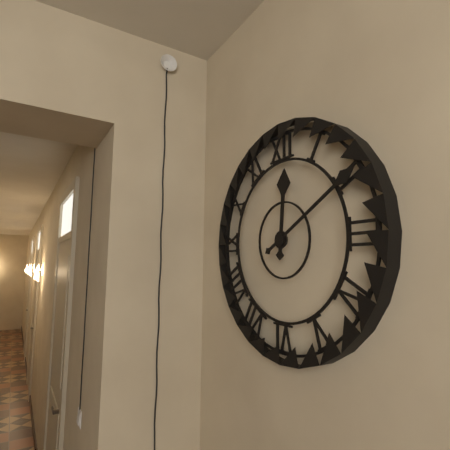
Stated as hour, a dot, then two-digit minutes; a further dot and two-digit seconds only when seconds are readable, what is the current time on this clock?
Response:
12.10
